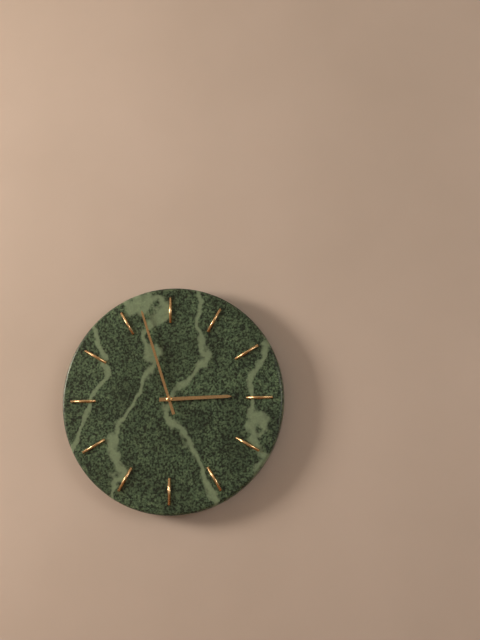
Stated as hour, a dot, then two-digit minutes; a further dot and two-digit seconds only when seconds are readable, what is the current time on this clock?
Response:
2.57
